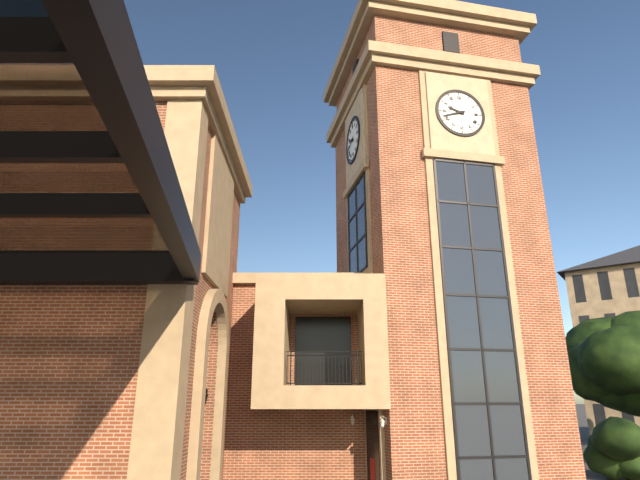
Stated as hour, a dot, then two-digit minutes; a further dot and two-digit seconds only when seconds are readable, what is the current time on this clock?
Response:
9.42
